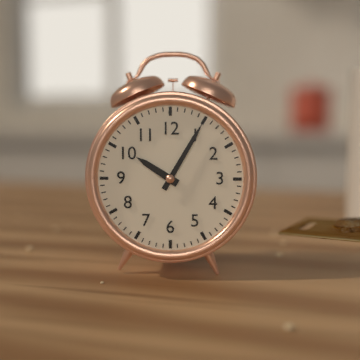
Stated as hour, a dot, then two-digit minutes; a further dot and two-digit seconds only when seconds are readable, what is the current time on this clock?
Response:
10.05
